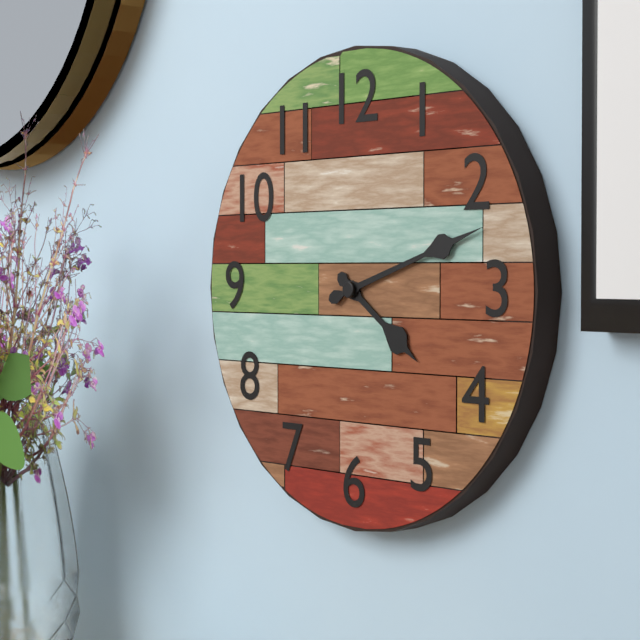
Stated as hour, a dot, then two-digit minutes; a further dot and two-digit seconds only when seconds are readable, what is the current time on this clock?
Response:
4.12
